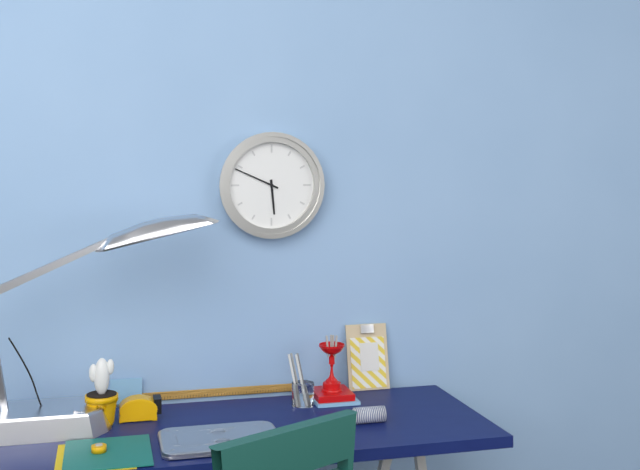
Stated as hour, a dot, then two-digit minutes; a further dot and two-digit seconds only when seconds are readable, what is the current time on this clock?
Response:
5.49
